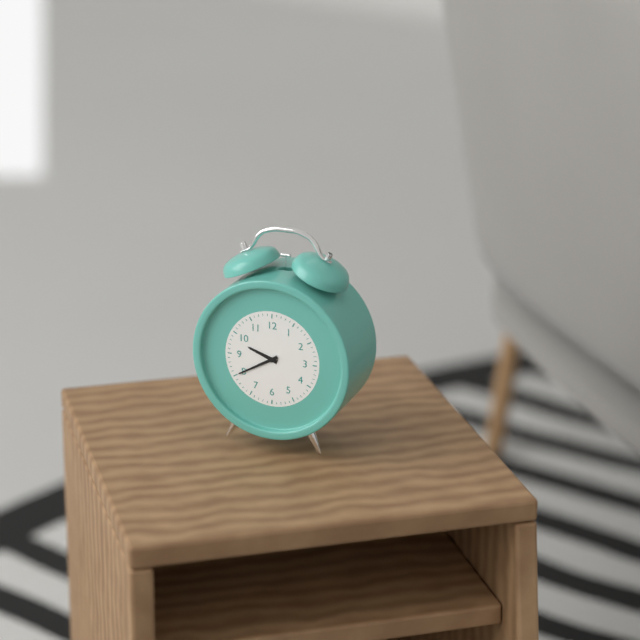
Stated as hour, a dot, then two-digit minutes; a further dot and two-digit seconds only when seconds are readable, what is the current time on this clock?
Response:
9.40
